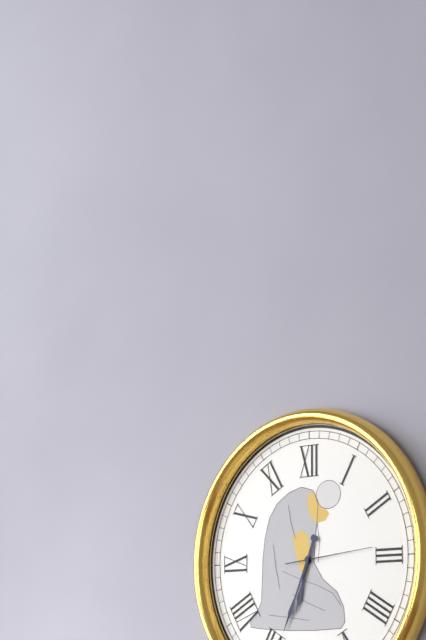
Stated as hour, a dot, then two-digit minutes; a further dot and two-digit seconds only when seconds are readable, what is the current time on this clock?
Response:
6.34.14
